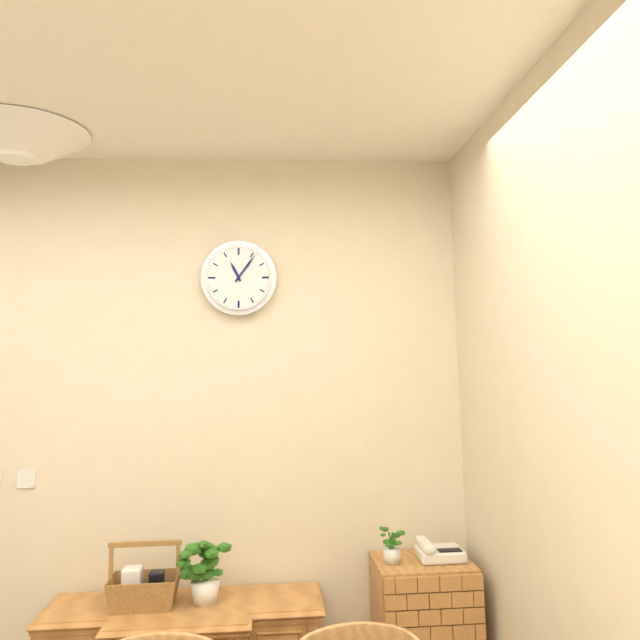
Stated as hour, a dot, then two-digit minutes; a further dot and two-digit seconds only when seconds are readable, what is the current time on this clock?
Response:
11.06
